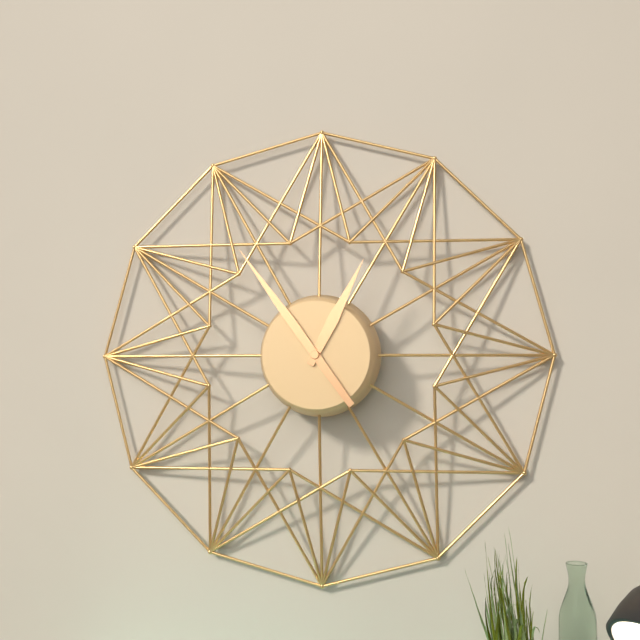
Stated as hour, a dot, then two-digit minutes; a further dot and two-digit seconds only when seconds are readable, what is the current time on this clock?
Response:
12.54
